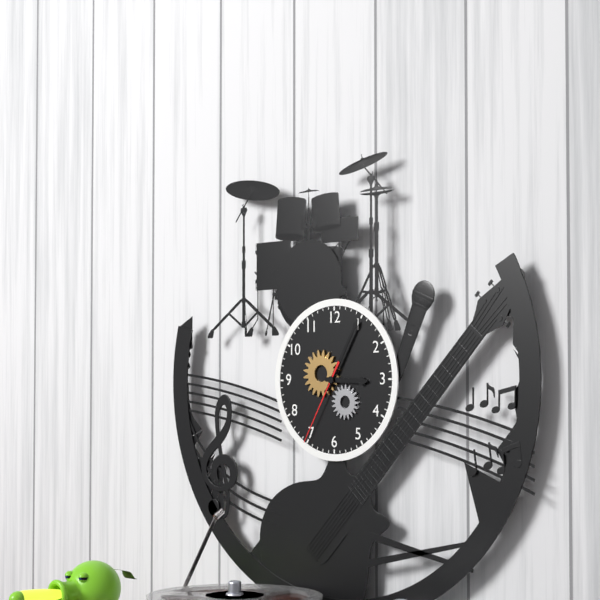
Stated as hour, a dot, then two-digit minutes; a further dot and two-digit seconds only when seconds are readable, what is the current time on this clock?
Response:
3.05.35
